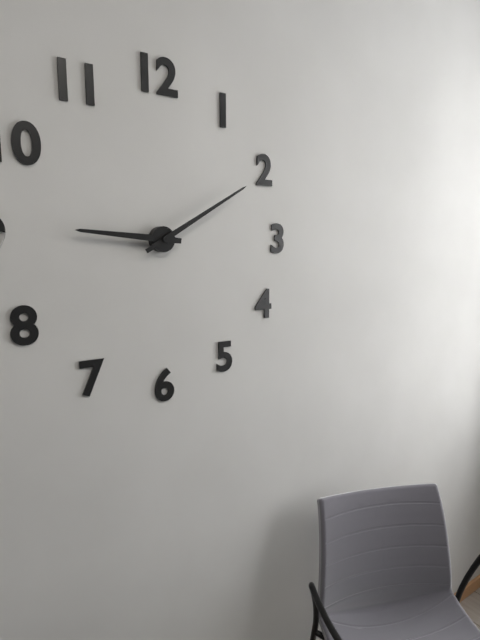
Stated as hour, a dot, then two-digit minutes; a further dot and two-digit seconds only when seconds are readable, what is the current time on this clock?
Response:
9.10
